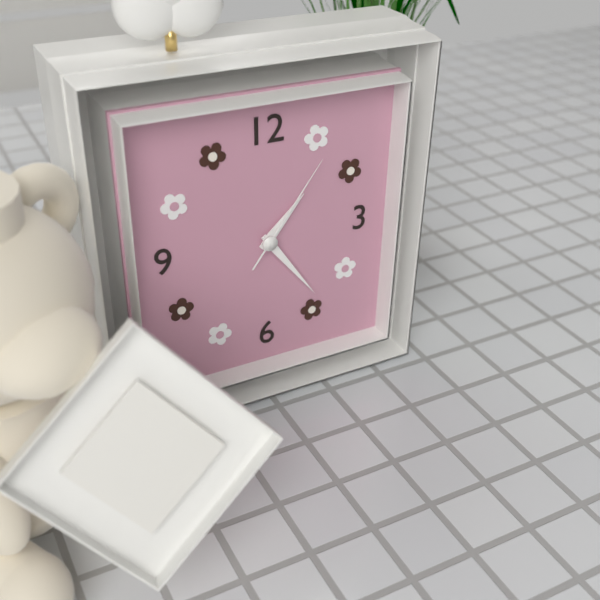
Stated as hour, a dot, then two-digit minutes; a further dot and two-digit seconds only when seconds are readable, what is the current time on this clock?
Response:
1.24.06
